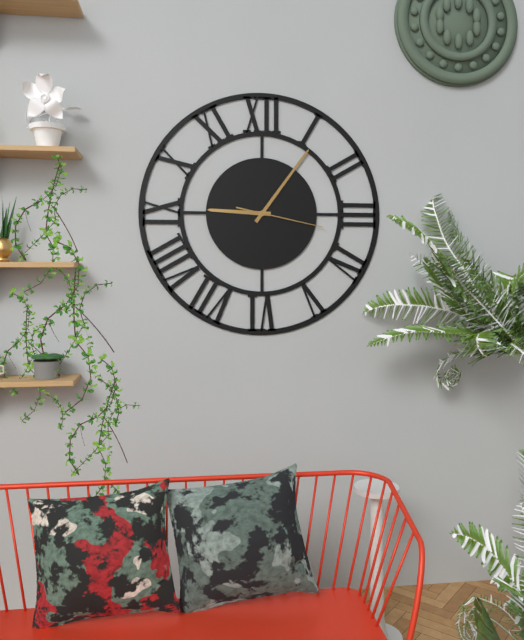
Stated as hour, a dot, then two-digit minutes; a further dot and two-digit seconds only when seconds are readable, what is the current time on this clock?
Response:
9.06.17
